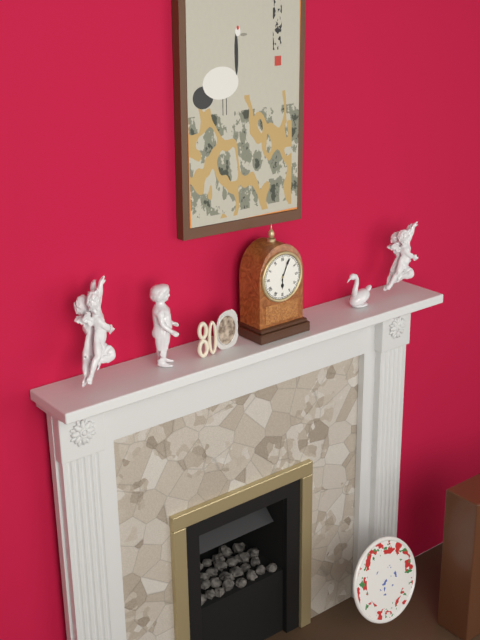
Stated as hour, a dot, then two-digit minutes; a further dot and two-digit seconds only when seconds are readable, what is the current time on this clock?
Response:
6.04
